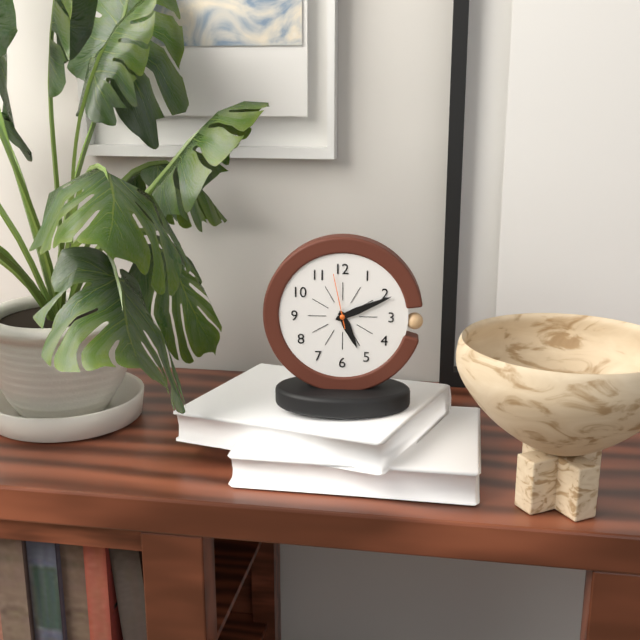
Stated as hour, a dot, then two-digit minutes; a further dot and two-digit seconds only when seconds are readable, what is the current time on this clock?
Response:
5.11.58
